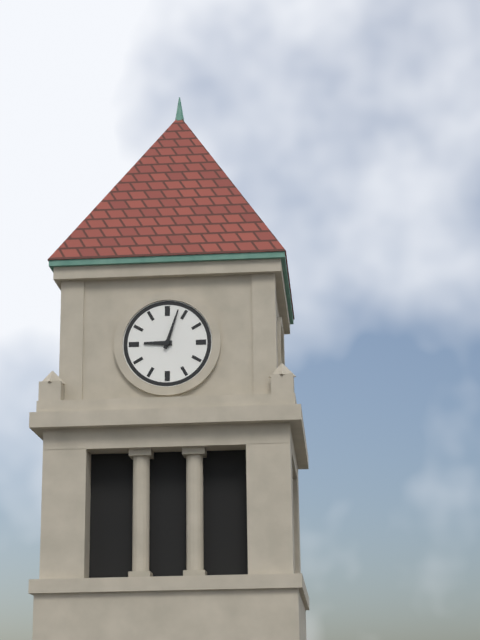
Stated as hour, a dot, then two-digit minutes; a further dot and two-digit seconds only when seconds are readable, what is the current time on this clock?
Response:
9.03
